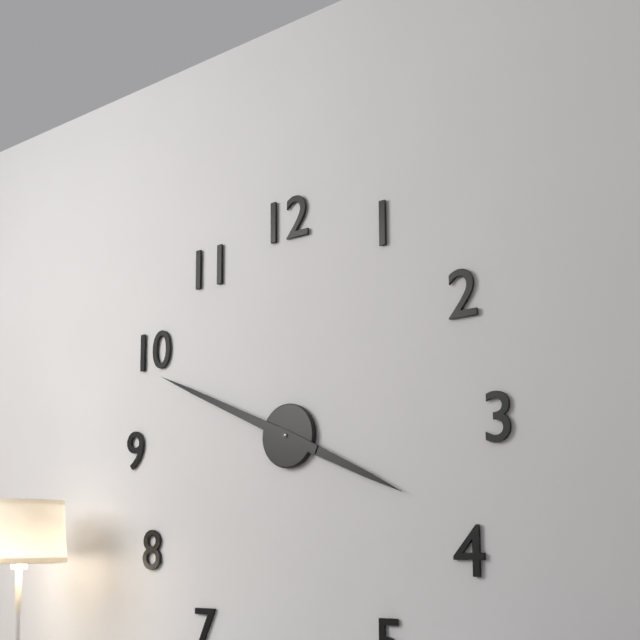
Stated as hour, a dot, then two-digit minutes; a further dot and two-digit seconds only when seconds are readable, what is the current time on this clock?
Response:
3.49
